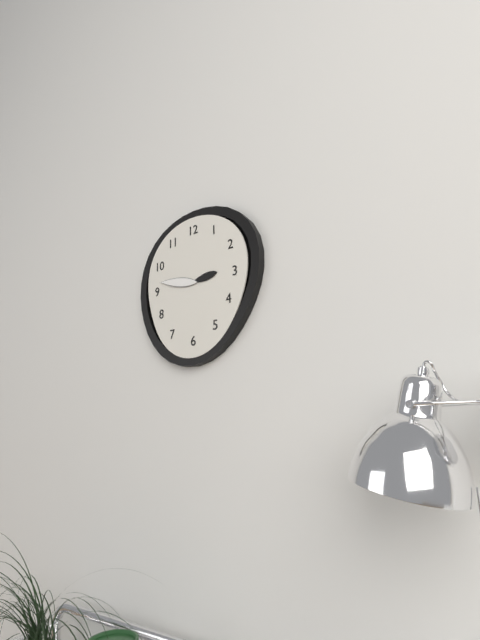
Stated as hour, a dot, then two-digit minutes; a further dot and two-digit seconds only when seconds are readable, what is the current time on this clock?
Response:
2.47
